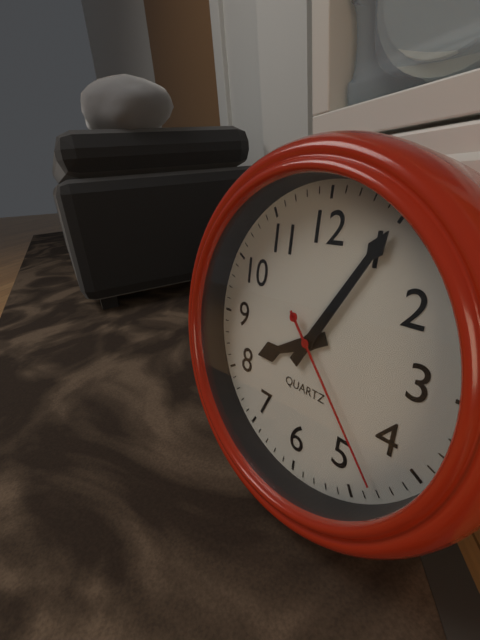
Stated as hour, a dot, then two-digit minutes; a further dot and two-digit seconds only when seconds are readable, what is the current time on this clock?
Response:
8.05.23
